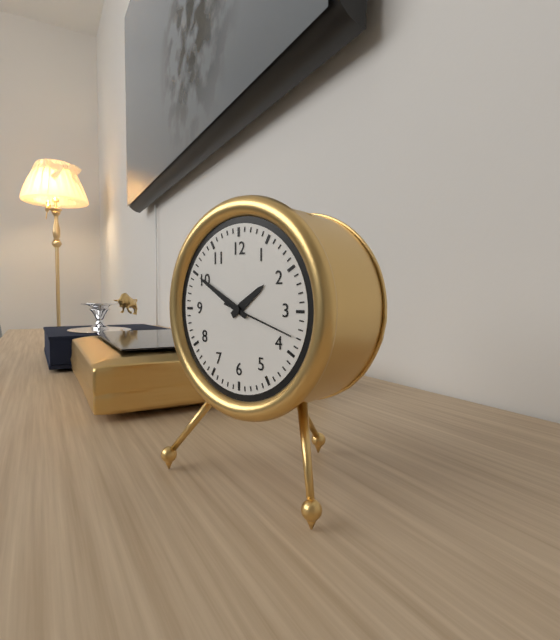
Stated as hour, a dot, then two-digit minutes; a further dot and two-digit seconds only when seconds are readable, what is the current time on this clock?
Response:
1.50.18
